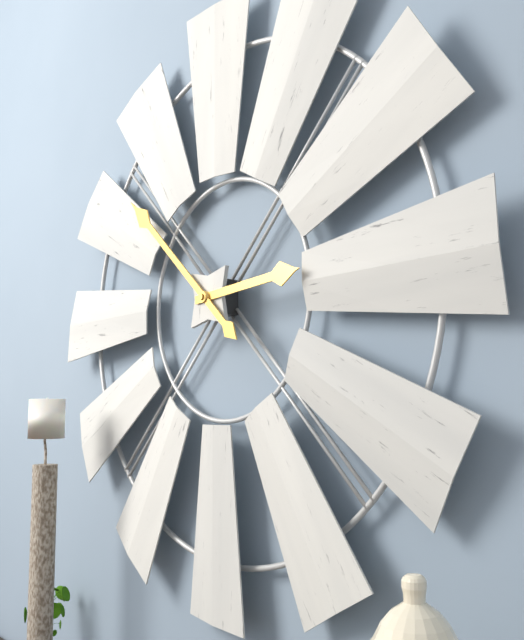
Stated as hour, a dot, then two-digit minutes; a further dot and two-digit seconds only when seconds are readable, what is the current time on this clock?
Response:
2.52
